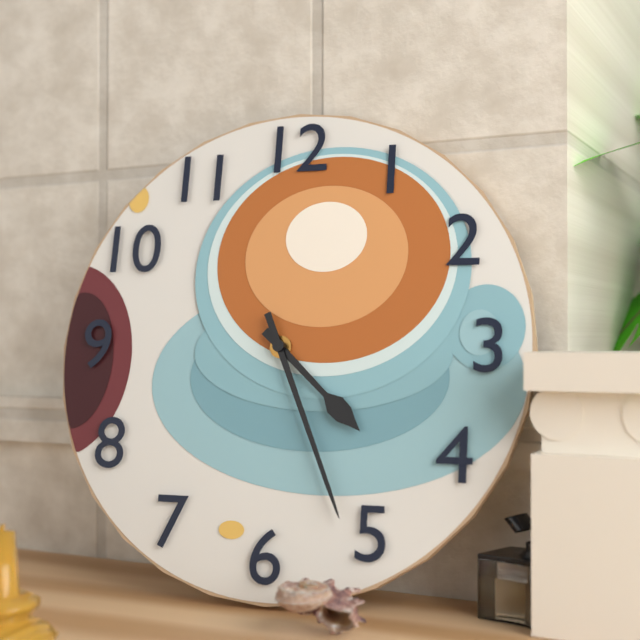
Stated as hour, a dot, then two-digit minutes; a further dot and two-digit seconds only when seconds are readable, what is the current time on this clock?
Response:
4.26
